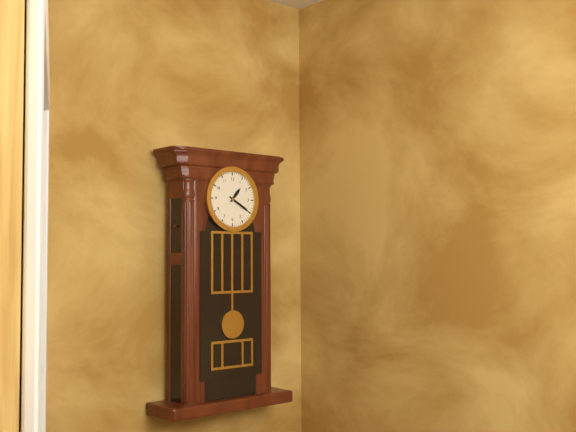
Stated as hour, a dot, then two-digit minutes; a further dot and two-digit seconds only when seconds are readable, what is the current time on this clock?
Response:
1.20
